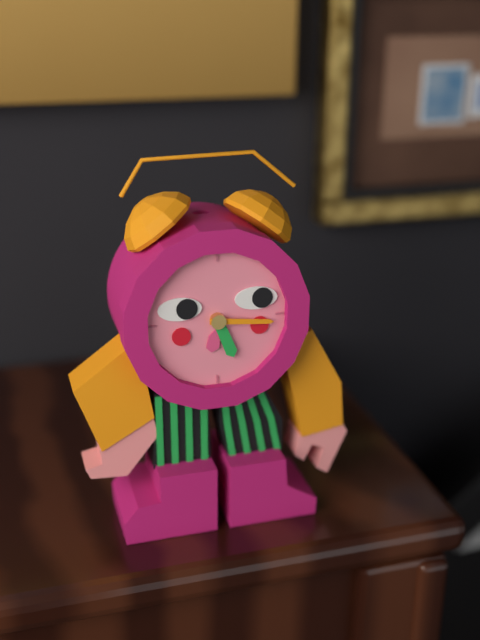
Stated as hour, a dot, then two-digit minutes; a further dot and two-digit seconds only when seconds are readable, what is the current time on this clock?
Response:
5.16
